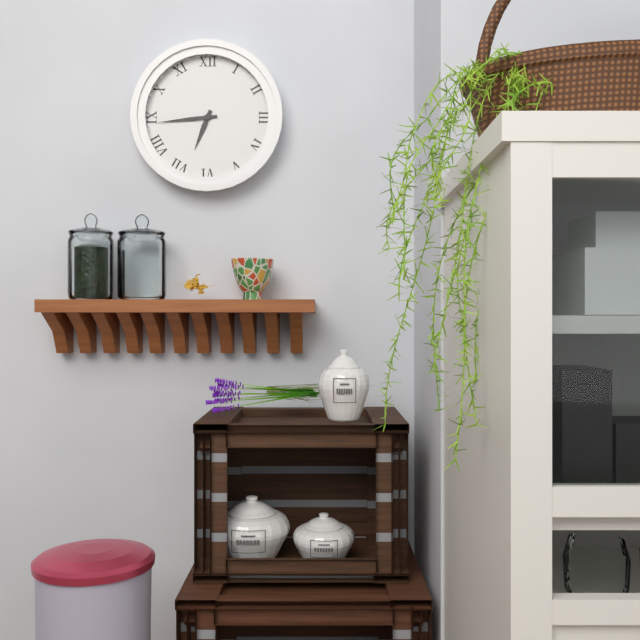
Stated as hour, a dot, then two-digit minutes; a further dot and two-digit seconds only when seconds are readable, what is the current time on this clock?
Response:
6.44
